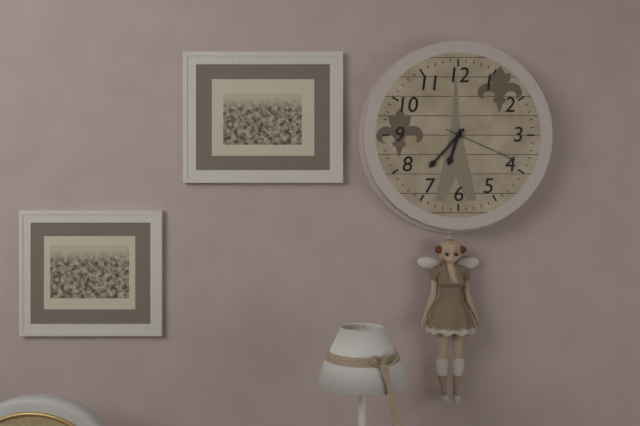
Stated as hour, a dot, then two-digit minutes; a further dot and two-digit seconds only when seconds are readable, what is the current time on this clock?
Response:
6.37.19
